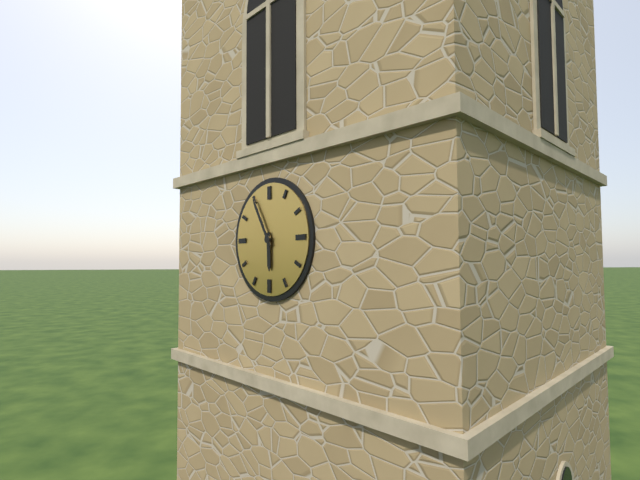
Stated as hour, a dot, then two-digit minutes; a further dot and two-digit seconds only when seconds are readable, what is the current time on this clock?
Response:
5.55
